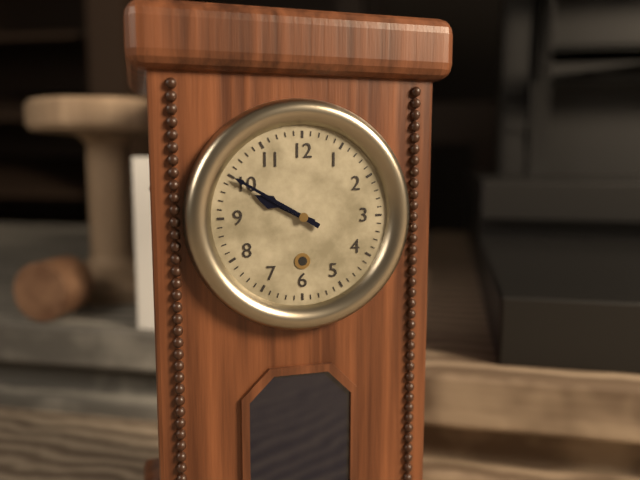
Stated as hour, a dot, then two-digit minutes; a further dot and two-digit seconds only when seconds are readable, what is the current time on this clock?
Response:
9.50
